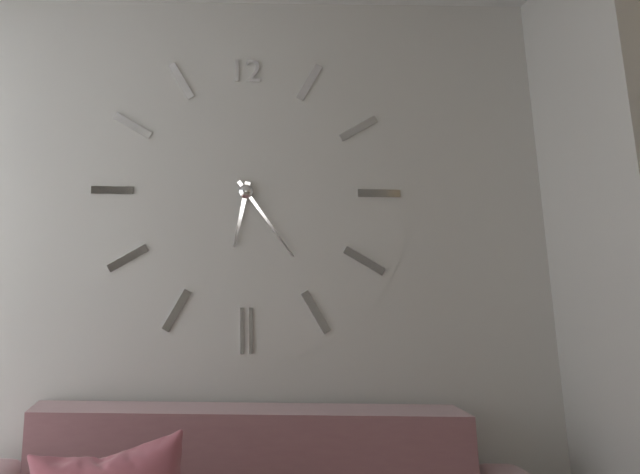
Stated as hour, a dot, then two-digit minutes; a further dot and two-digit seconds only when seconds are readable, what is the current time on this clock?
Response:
6.24
